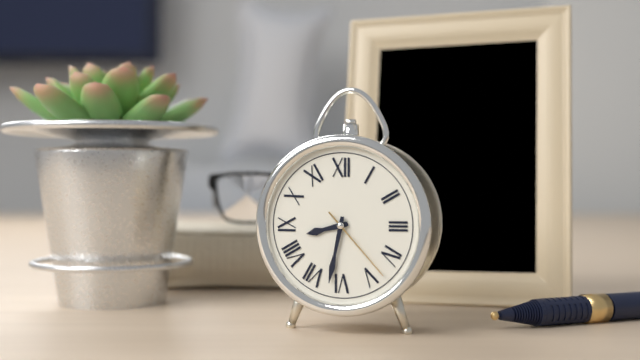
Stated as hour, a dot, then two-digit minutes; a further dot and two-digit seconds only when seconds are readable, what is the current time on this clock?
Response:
8.32.23
